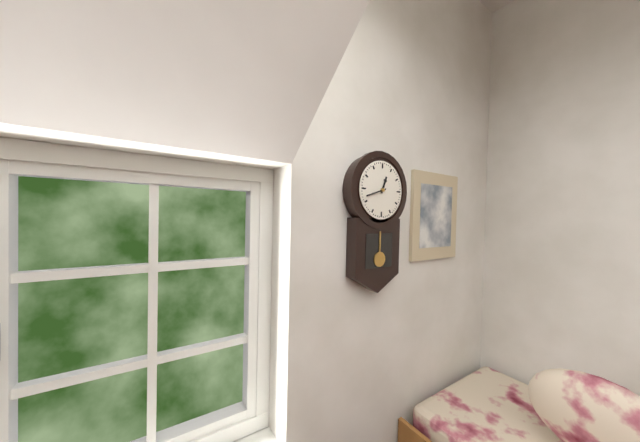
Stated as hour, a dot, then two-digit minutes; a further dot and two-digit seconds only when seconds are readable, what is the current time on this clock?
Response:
12.42
